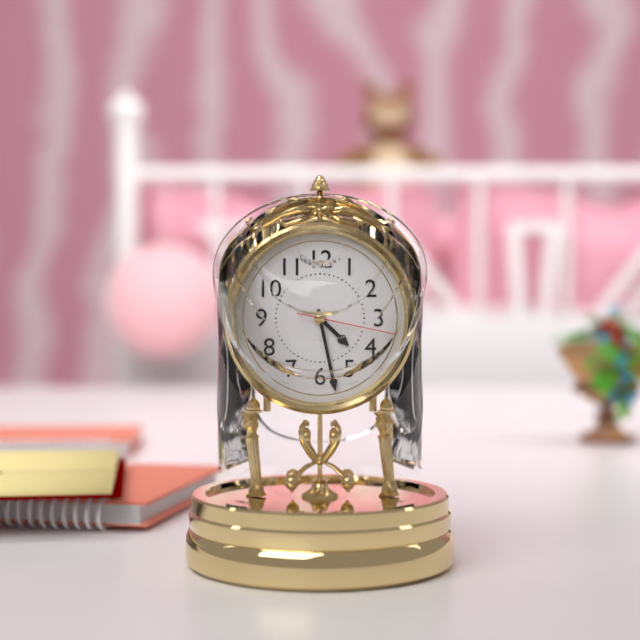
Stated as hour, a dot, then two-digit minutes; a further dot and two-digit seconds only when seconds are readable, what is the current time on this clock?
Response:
4.28.17
